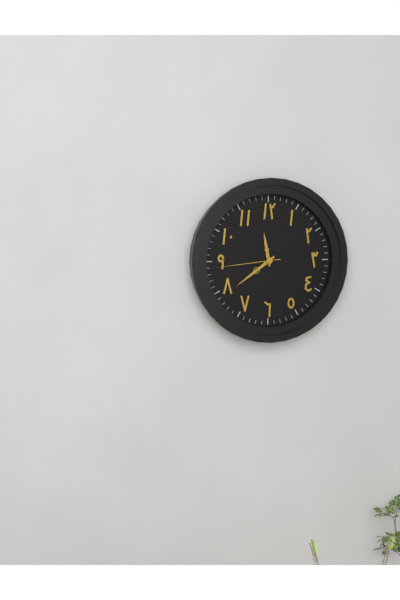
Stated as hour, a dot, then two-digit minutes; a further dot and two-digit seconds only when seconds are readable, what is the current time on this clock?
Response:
11.39.44
